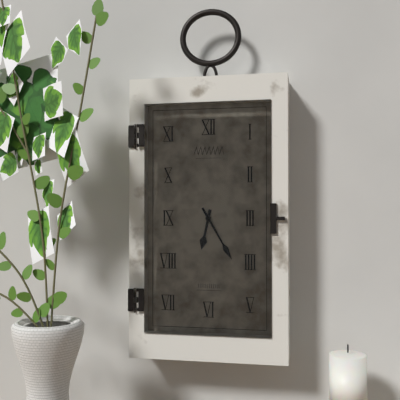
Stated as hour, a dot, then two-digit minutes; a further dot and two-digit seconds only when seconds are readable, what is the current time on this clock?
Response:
6.25
